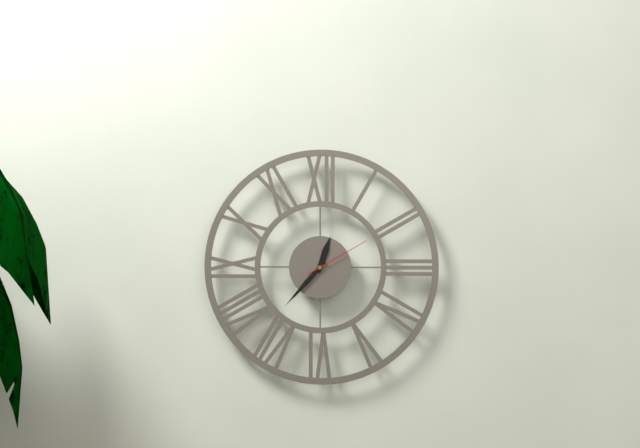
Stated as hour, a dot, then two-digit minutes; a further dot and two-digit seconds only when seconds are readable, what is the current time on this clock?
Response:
12.37.10
